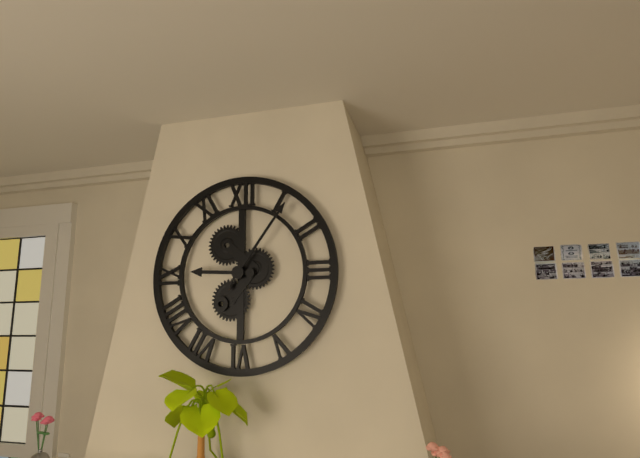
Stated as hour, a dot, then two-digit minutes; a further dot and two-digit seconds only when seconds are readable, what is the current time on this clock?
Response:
9.06
